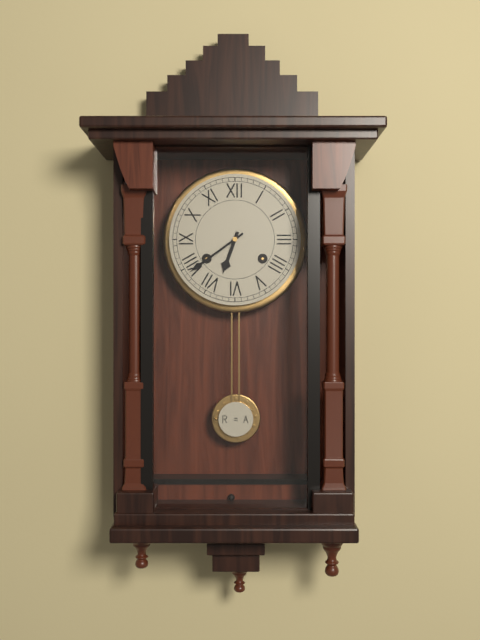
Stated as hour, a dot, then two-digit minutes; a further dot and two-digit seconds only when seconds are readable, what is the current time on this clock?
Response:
6.39
